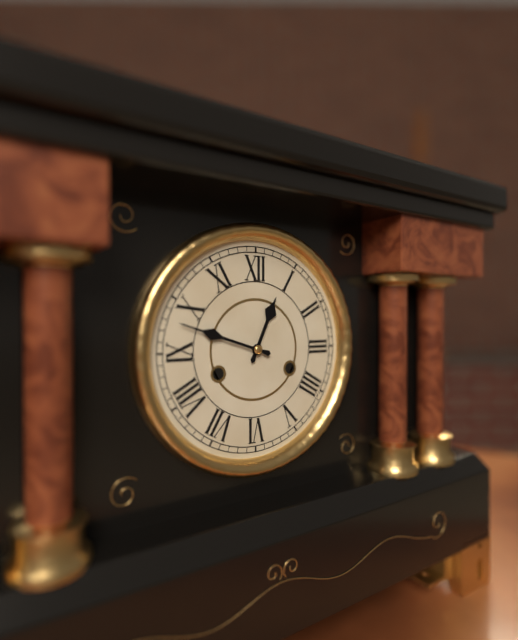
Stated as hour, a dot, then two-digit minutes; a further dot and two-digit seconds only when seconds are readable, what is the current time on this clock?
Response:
12.48
